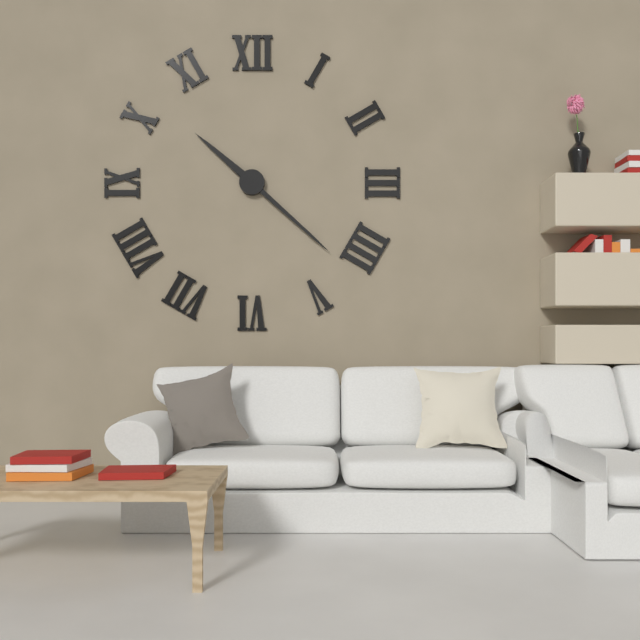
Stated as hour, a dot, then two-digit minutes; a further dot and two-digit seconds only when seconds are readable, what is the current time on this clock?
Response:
10.22
